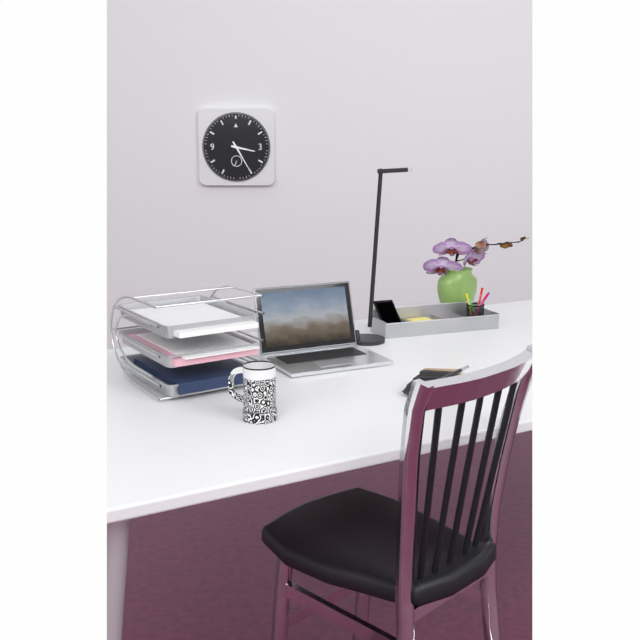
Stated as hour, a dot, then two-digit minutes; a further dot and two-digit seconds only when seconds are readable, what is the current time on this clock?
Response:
3.25
